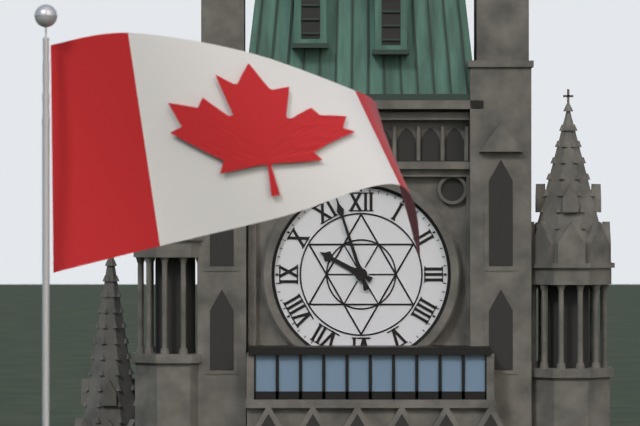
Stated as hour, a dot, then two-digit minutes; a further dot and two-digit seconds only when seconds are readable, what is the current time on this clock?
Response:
9.57
